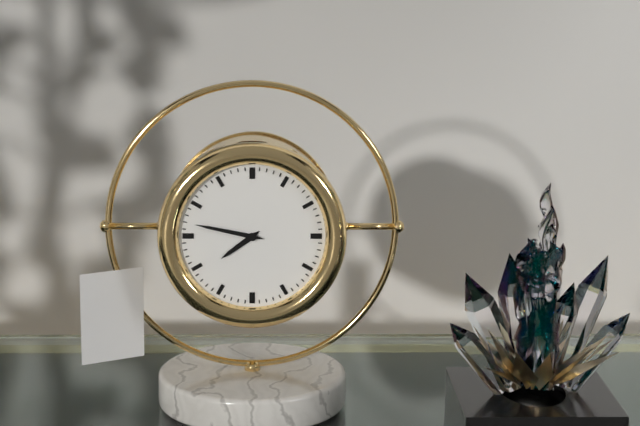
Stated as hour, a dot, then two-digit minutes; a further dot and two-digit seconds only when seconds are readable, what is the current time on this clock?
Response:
7.47
